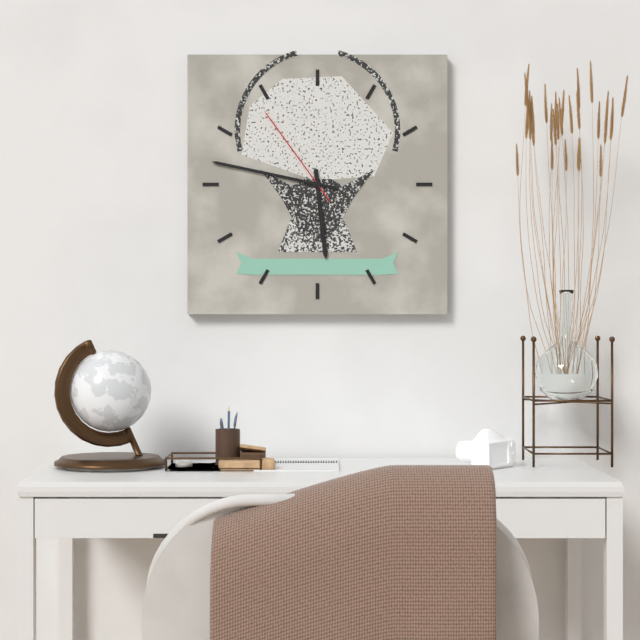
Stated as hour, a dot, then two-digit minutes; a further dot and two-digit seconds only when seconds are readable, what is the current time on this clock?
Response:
5.47.54
